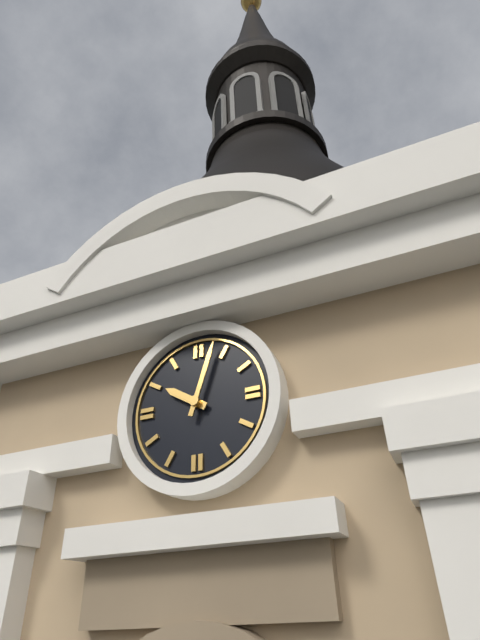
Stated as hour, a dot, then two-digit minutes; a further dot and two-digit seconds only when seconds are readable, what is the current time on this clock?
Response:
10.03
